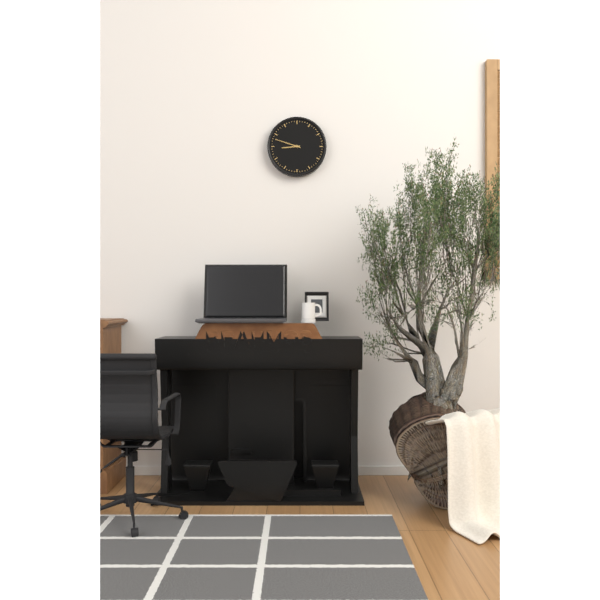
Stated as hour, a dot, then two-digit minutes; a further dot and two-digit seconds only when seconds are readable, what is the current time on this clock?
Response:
8.48
